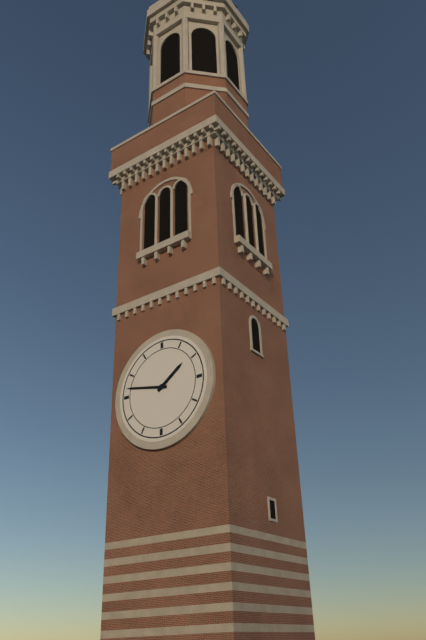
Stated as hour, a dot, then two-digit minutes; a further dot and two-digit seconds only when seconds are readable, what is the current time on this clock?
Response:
1.47
